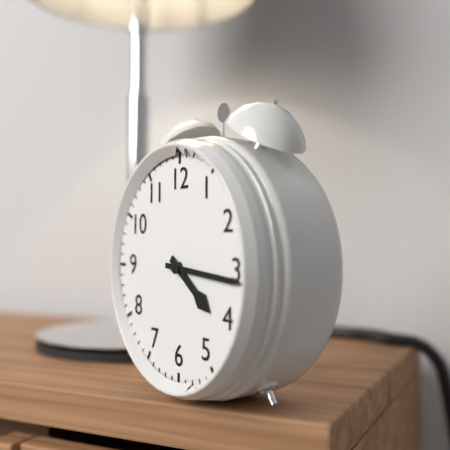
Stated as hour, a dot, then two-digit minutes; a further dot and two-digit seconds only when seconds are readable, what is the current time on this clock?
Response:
4.16
